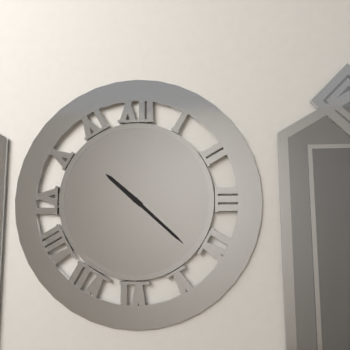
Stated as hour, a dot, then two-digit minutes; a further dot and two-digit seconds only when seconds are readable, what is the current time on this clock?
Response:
10.22
